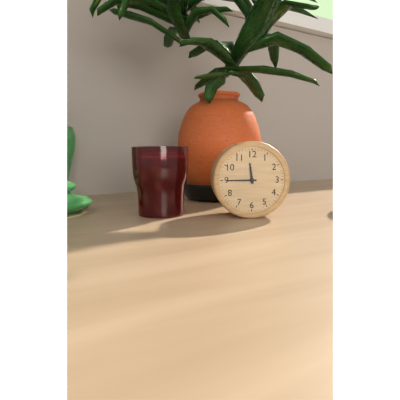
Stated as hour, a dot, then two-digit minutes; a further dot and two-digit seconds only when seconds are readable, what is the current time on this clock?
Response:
11.45
